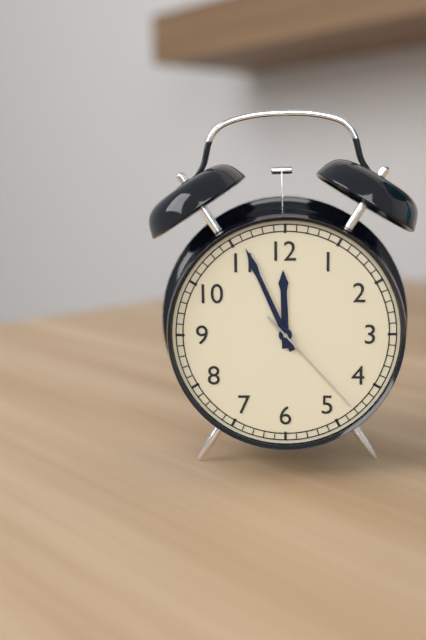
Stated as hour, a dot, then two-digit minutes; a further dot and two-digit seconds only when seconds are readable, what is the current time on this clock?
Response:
11.56.23
